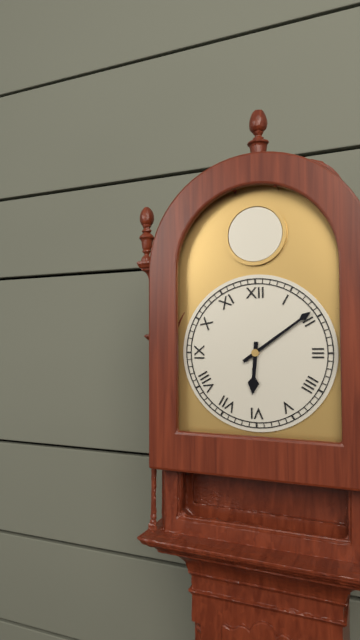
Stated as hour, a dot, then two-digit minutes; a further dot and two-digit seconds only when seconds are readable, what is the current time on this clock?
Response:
6.09
